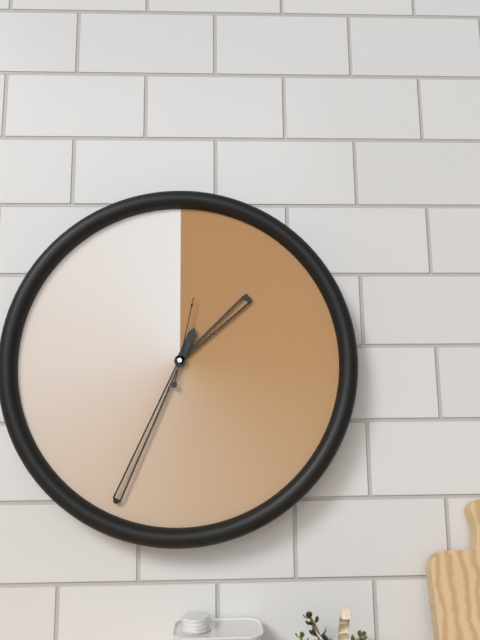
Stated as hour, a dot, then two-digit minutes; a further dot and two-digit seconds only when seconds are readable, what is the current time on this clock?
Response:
1.34.02
